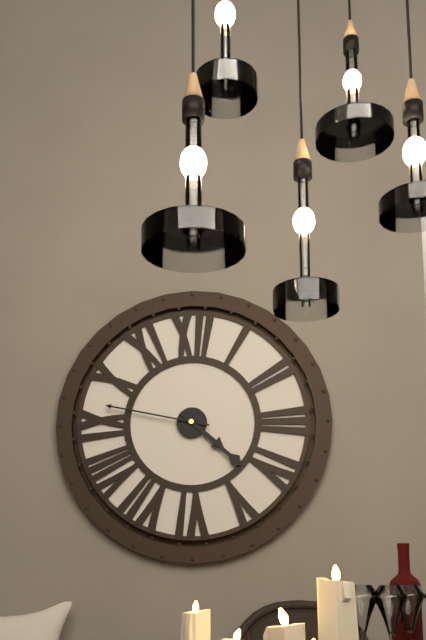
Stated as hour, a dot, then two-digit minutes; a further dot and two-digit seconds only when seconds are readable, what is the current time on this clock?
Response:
4.22.47
